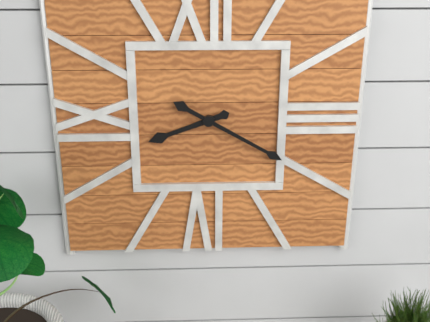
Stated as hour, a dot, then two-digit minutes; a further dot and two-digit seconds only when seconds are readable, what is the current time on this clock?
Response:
8.20
